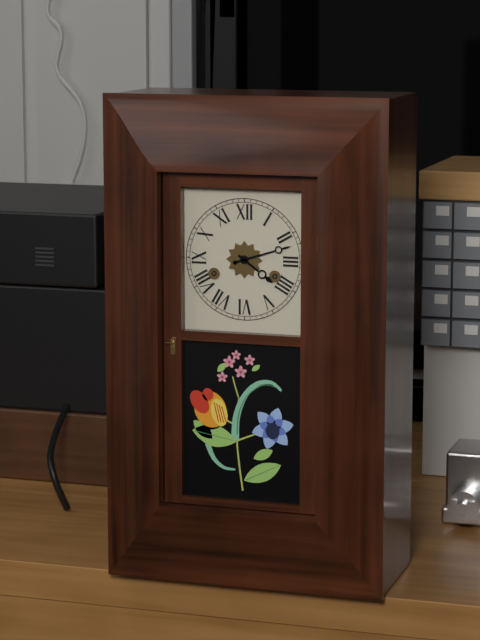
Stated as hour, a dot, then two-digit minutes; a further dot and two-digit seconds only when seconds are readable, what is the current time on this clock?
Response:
4.12
